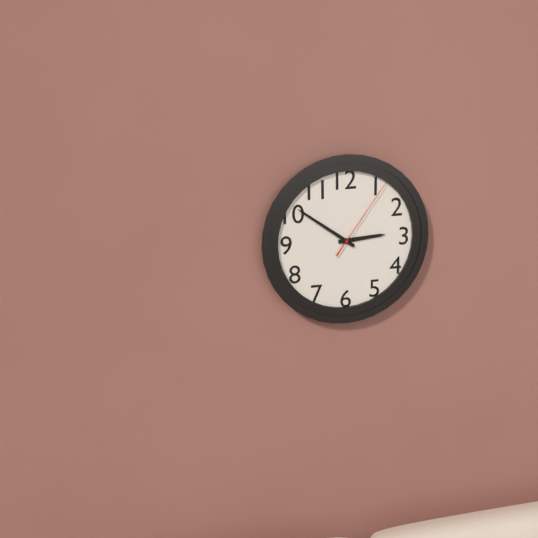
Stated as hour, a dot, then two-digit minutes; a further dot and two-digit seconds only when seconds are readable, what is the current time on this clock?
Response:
2.51.06
